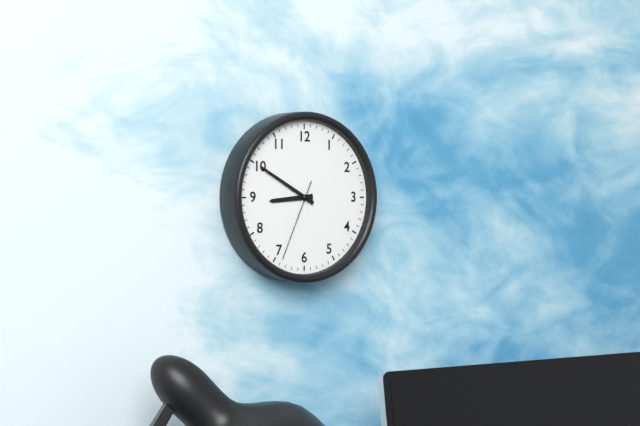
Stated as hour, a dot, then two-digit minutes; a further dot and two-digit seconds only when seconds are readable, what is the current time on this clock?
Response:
8.50.34
